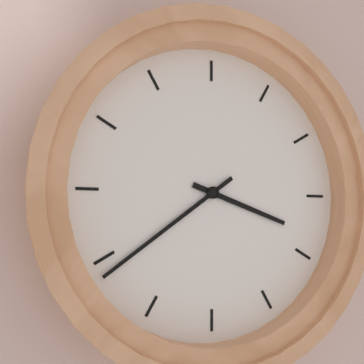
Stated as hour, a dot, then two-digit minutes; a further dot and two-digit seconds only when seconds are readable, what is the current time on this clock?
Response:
3.39
